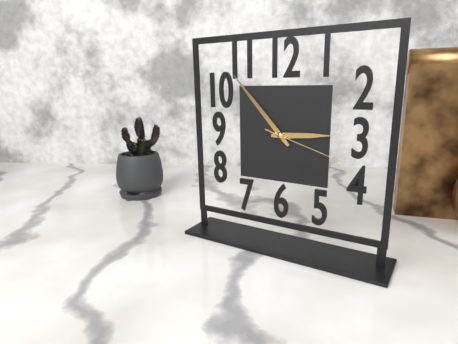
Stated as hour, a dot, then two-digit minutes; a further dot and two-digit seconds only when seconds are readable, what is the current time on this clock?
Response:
2.53.18
